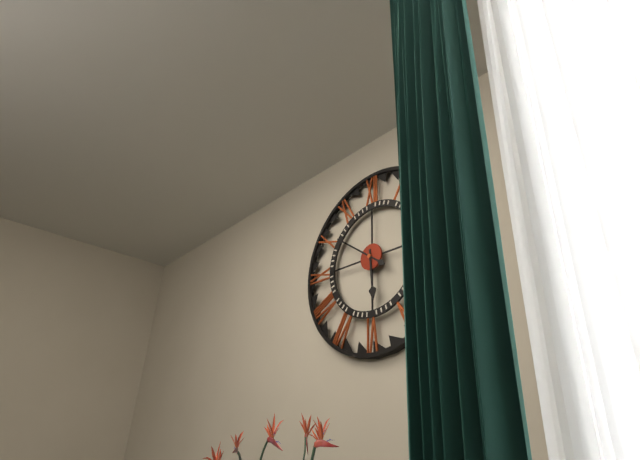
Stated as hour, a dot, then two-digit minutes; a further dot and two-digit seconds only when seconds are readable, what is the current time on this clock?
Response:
5.51
